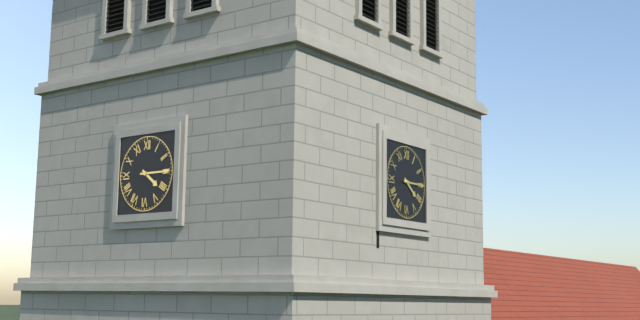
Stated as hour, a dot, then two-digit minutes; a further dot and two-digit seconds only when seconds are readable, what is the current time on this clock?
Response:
4.15
